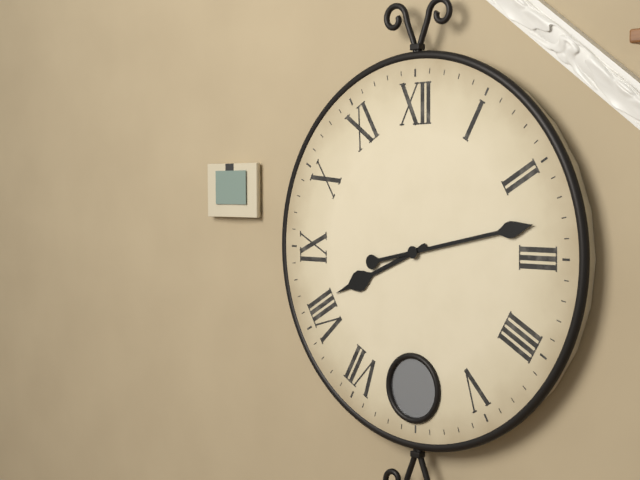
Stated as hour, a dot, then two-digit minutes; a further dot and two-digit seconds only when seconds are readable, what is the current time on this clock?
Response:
8.13
